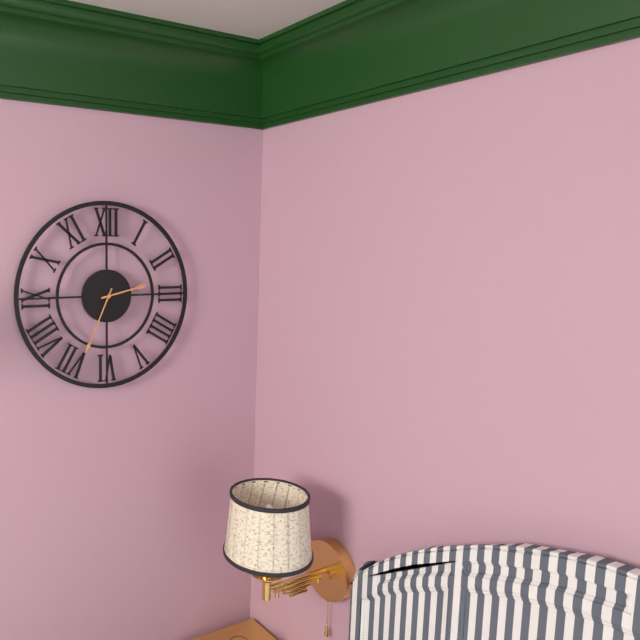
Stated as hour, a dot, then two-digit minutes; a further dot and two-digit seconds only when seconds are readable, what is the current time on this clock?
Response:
2.34
